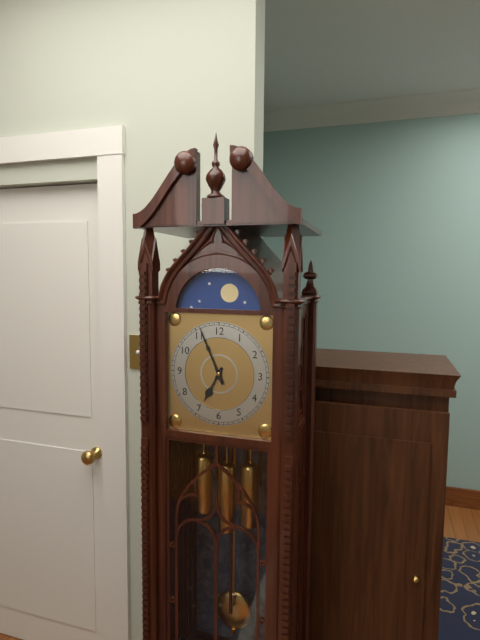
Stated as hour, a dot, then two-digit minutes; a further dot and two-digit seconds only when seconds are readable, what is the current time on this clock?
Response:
6.56
